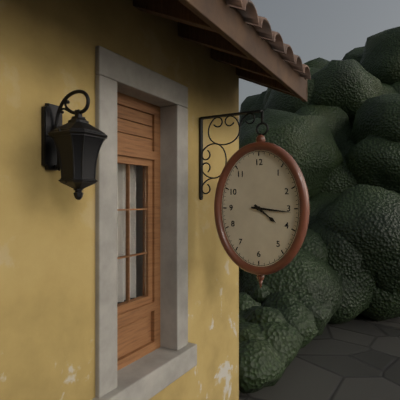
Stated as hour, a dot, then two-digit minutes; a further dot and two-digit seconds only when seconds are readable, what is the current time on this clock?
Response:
4.16
